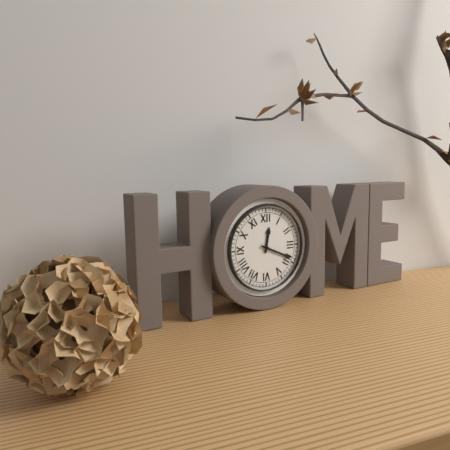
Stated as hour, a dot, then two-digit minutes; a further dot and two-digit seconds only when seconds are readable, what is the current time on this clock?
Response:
12.19
